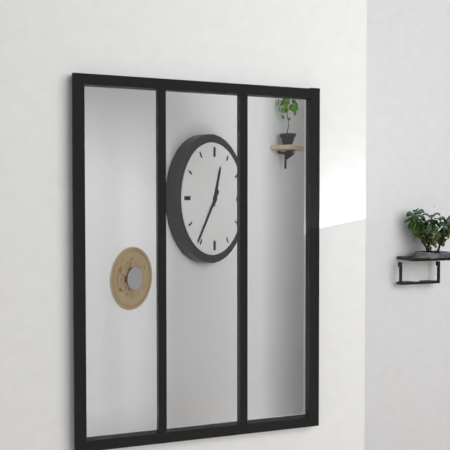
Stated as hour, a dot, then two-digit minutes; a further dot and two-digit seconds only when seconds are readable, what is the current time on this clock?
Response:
12.36
